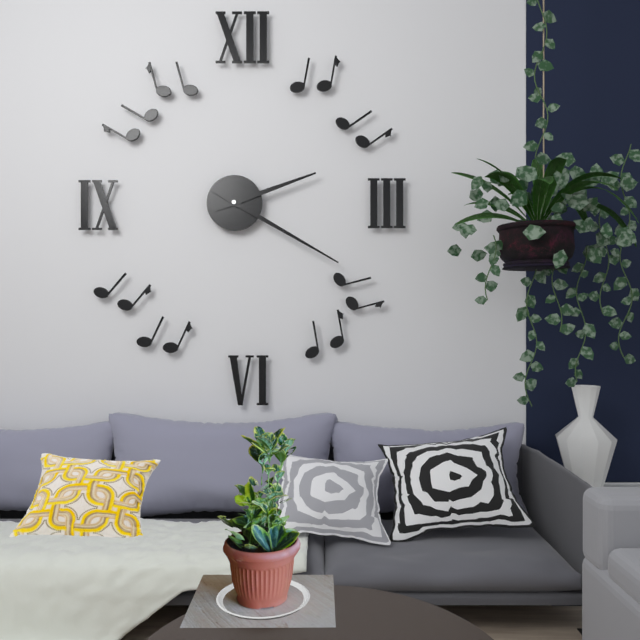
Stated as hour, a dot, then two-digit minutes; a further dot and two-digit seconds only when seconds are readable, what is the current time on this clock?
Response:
2.20
